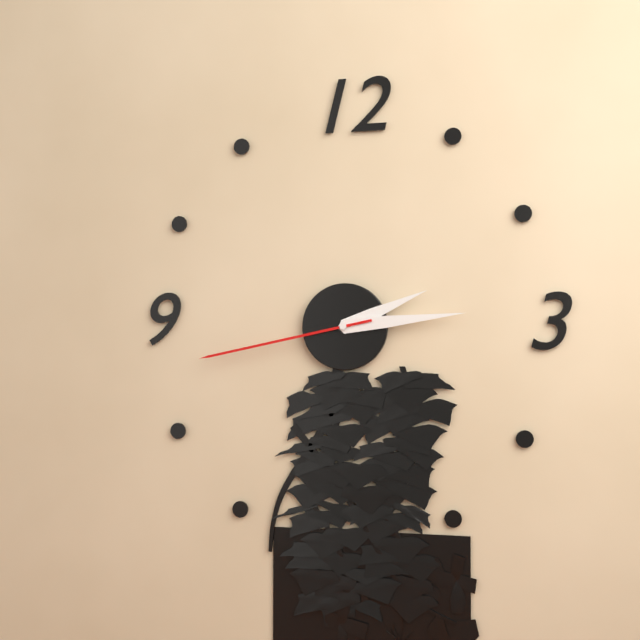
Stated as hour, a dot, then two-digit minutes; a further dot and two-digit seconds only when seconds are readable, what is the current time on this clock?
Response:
2.14.43
